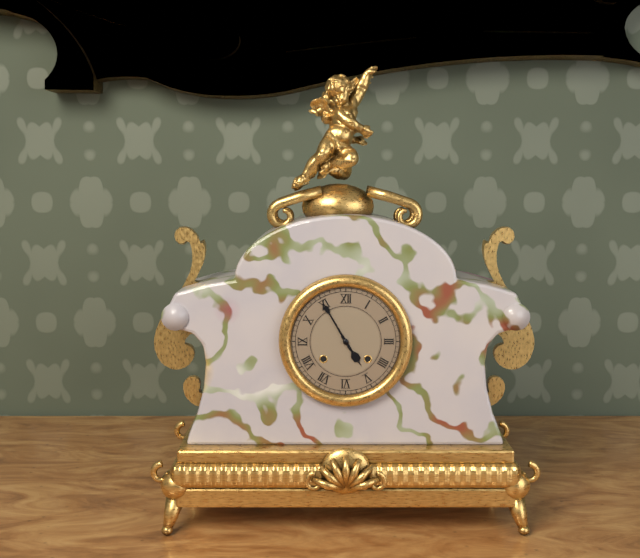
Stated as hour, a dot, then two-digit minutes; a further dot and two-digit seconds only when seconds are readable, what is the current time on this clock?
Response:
4.55
